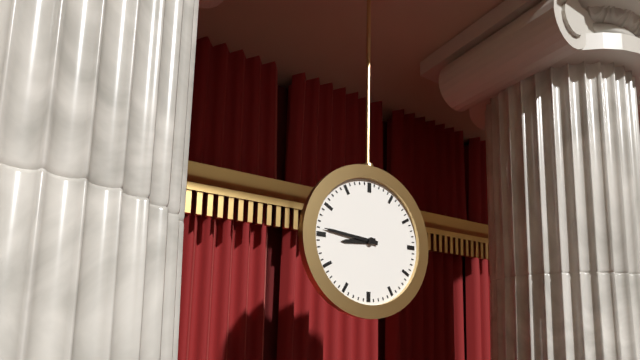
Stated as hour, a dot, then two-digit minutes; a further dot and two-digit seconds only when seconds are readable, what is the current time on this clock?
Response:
8.46
